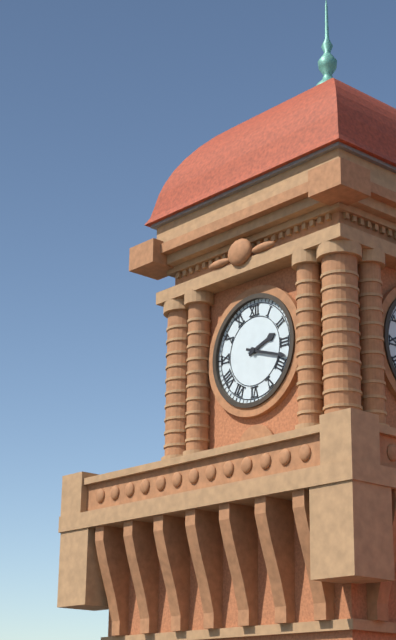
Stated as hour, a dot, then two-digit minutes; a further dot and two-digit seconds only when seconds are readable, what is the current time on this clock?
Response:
2.18
